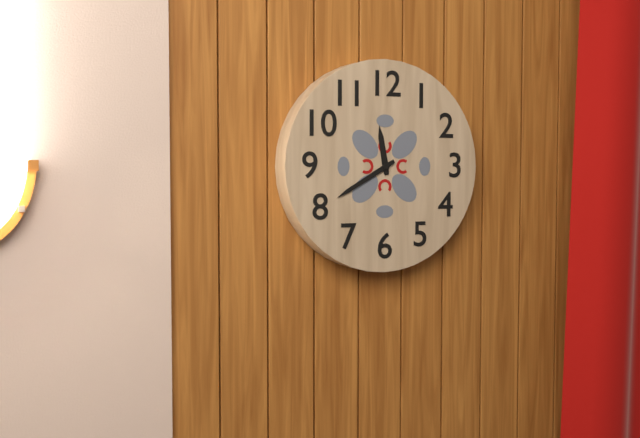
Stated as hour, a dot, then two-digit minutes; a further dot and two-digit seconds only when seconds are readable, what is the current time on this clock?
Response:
11.40
